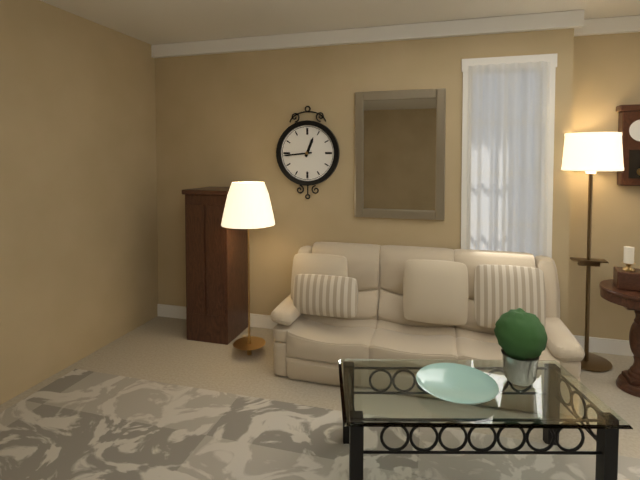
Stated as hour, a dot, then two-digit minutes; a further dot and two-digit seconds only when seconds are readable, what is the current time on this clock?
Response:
12.44
